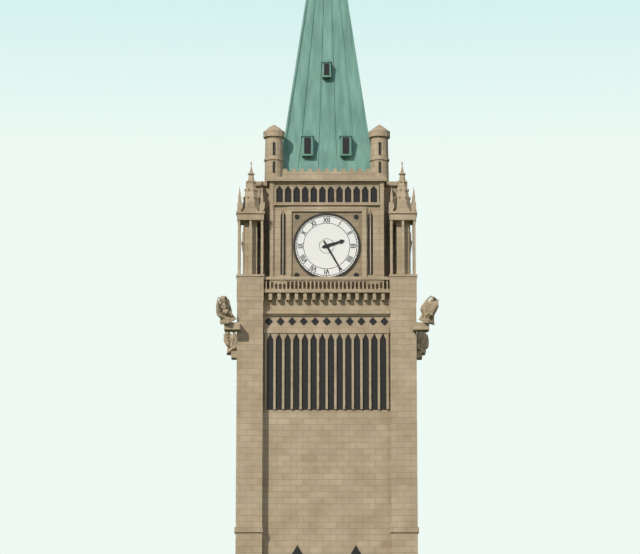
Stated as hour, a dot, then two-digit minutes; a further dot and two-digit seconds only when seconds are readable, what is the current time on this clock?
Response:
2.25
